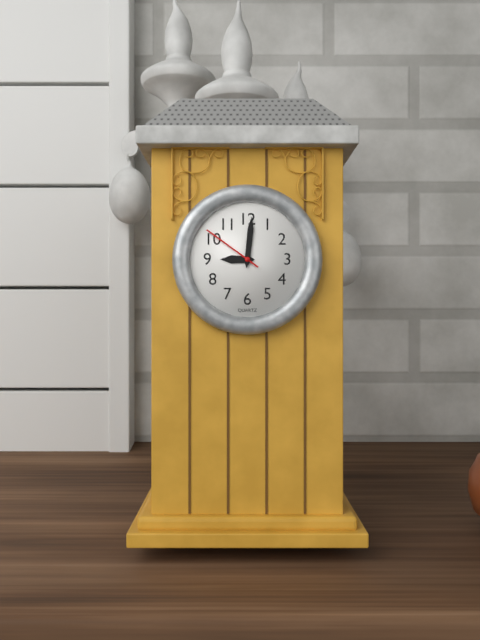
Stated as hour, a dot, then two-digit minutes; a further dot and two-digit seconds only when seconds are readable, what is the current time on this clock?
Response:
9.01.51
